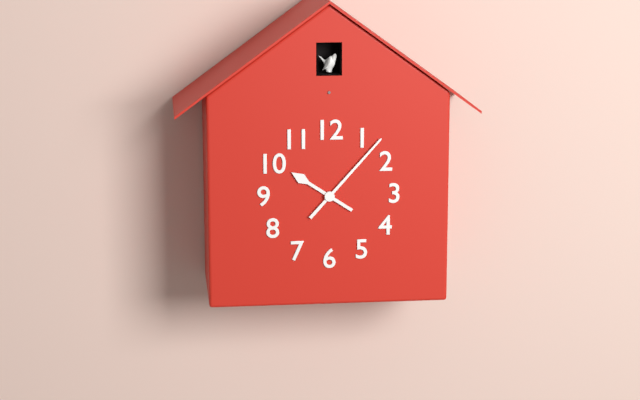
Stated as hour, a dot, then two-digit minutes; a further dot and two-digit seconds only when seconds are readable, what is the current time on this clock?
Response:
10.07
